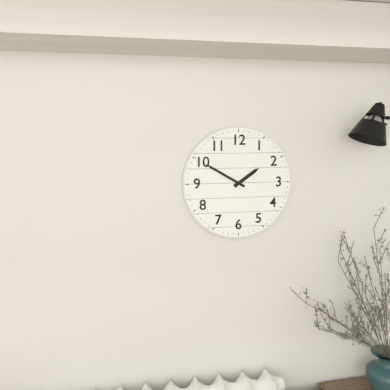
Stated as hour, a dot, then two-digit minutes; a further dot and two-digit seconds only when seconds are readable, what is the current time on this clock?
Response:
1.50
